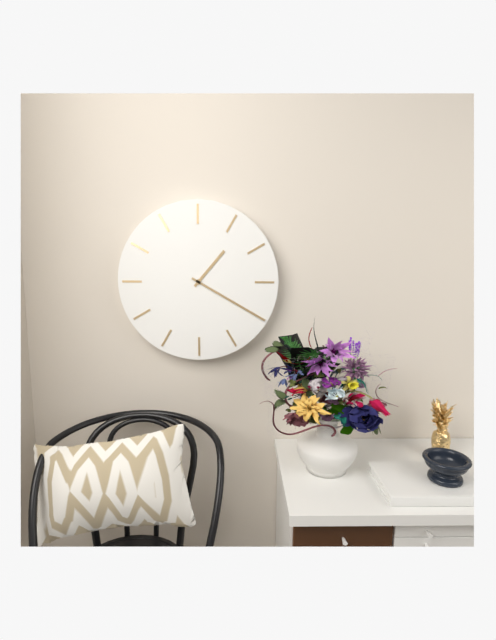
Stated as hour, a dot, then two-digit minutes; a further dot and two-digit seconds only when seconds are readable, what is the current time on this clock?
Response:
1.20
